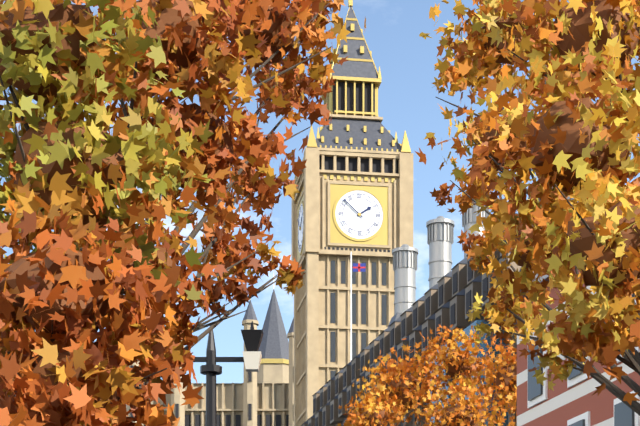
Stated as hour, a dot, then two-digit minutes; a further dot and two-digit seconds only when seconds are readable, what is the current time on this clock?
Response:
1.52
